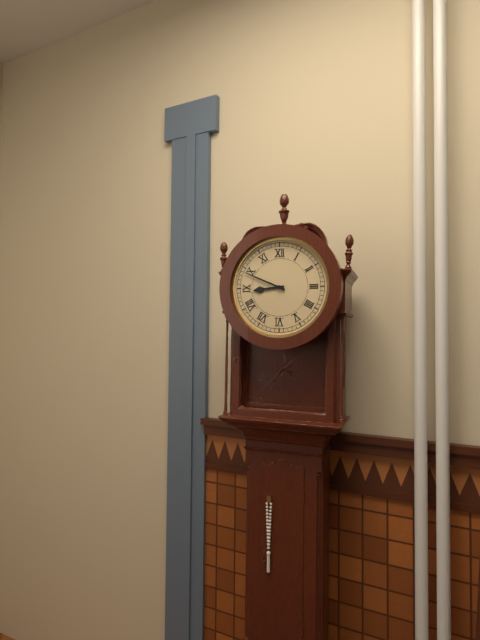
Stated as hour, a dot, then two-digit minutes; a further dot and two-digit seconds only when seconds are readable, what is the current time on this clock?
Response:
8.49
